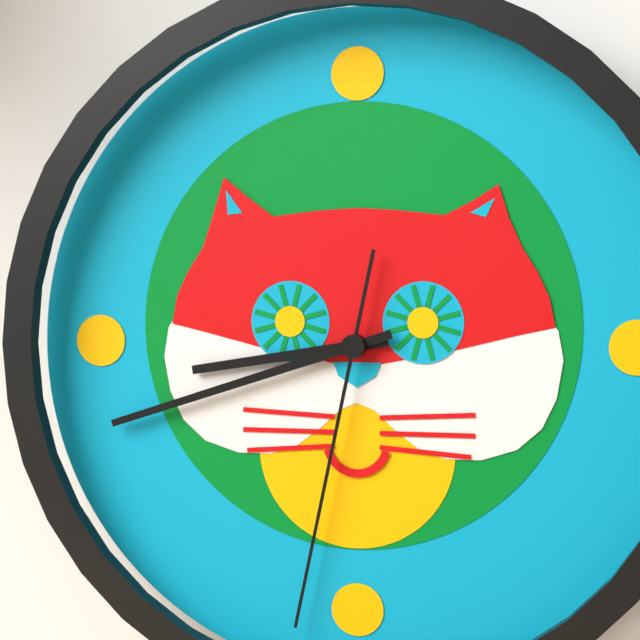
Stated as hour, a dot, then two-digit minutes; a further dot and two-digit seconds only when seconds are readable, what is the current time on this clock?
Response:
8.42.32
